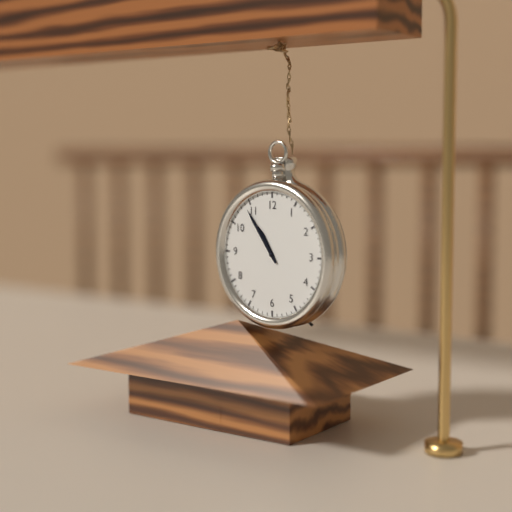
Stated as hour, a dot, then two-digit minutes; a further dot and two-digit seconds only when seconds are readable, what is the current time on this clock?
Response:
10.54
